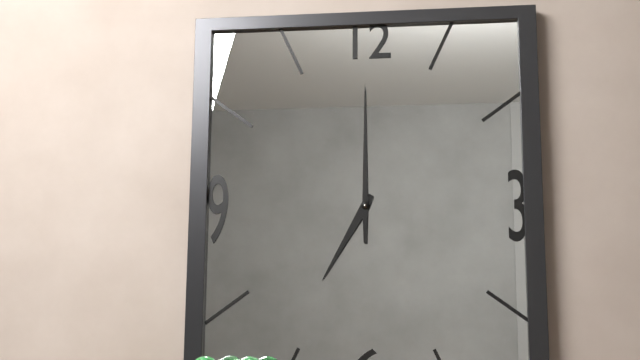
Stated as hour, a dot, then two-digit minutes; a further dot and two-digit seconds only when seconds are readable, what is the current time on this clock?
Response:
7.00
